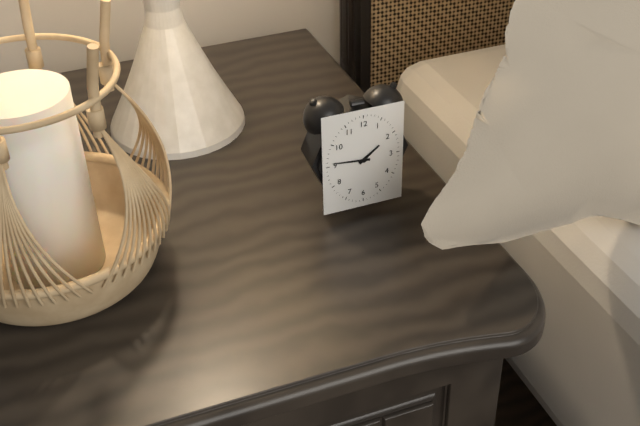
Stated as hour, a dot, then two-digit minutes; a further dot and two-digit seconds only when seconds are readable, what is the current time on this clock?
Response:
1.46
